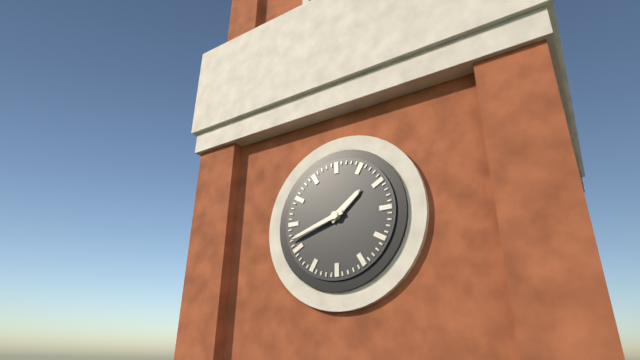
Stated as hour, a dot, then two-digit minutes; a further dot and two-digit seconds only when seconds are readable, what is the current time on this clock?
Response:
1.42
